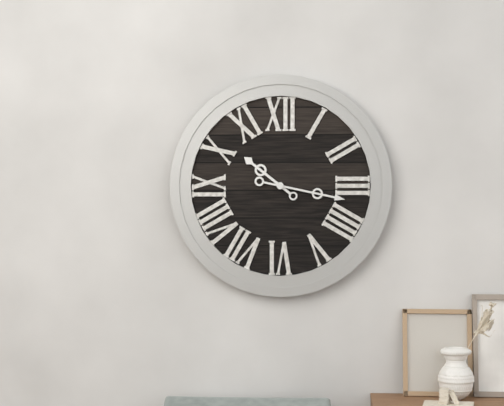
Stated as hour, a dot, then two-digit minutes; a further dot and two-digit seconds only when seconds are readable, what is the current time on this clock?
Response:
10.17
